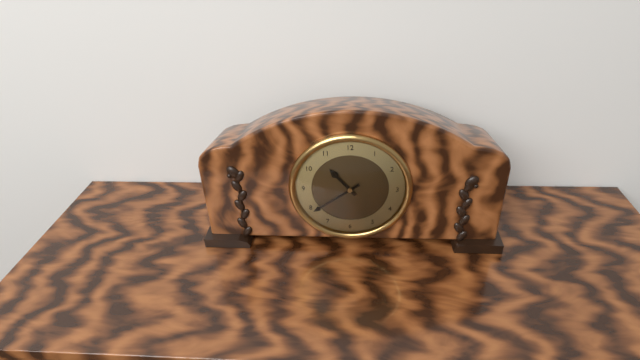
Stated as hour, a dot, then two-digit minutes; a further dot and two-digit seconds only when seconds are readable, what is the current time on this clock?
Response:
10.39
